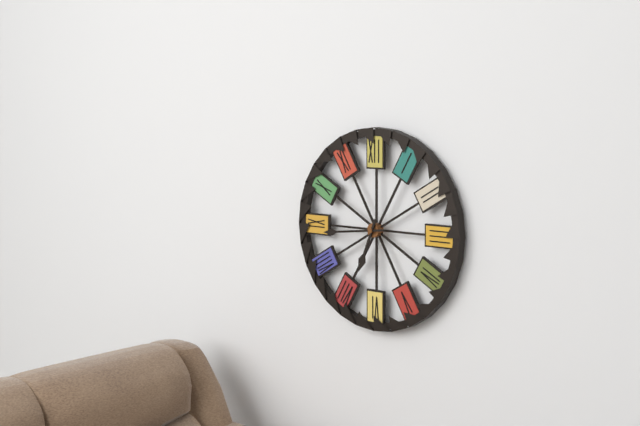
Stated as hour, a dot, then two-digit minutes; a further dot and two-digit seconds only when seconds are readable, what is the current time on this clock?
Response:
6.44
